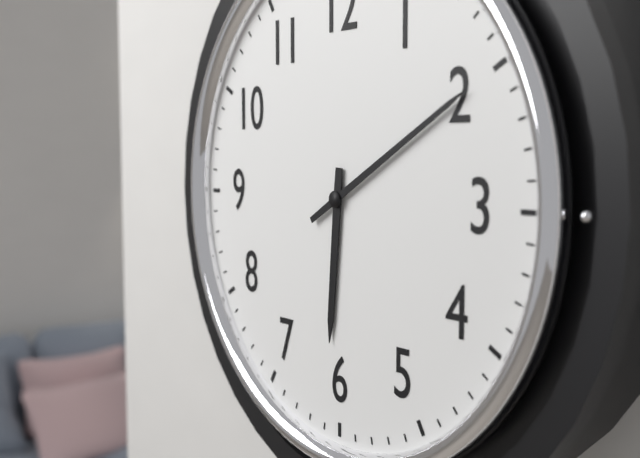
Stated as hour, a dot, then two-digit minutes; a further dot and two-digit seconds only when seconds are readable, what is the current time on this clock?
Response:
6.10
